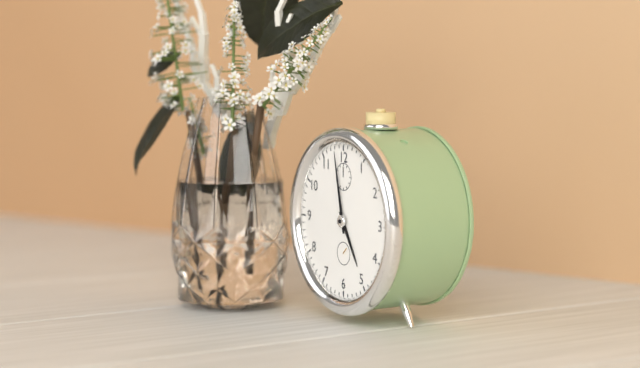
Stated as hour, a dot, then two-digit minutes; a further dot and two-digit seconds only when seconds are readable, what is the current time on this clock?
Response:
4.58
